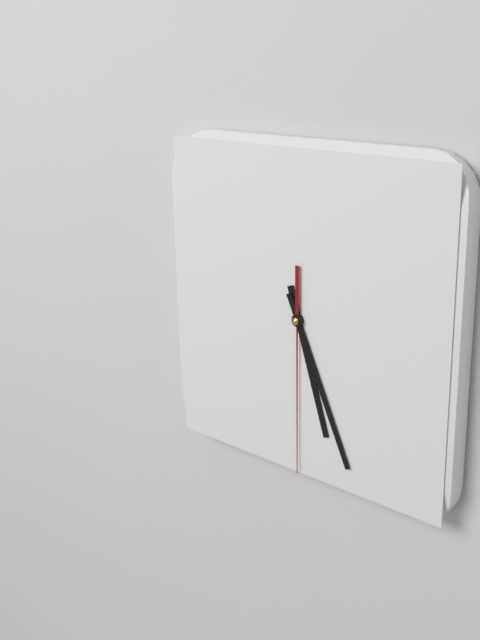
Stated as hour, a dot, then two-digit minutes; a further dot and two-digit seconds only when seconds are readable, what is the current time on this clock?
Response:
5.26.30
